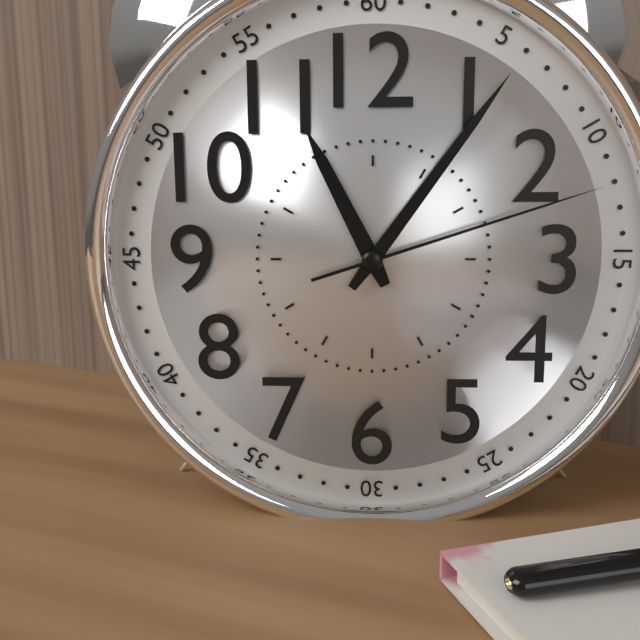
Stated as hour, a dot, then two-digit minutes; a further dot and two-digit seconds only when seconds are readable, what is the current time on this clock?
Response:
11.06.12
